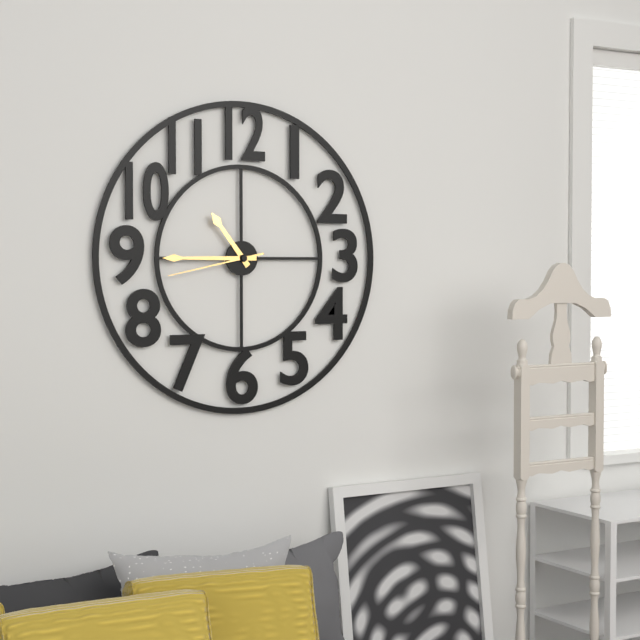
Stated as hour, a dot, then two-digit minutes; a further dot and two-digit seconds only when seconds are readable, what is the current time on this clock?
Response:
10.45.43
